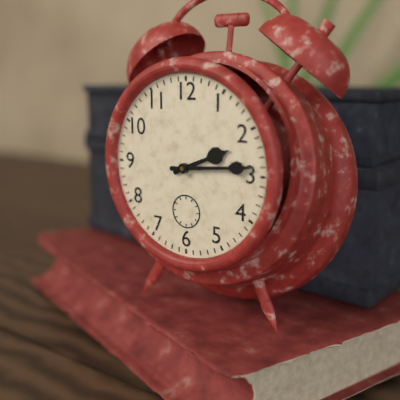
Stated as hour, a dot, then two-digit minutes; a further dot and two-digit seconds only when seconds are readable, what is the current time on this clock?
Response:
2.14
